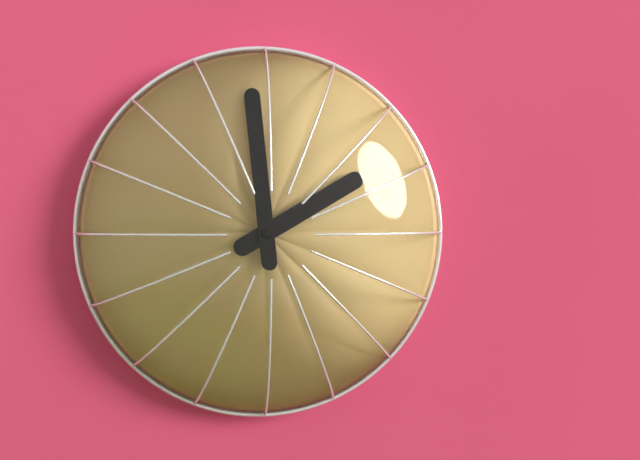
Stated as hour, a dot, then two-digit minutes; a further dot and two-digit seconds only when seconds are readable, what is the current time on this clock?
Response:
1.59
